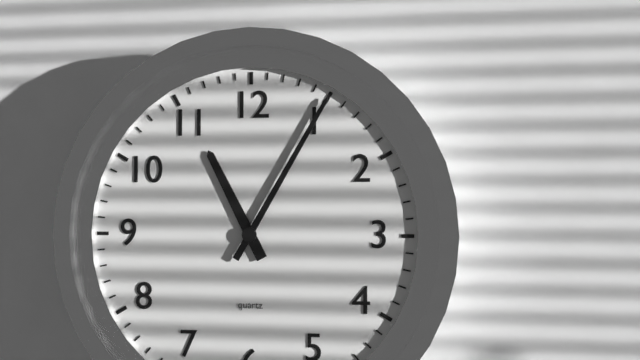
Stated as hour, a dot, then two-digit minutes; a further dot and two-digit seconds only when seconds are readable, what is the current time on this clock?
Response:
11.05
